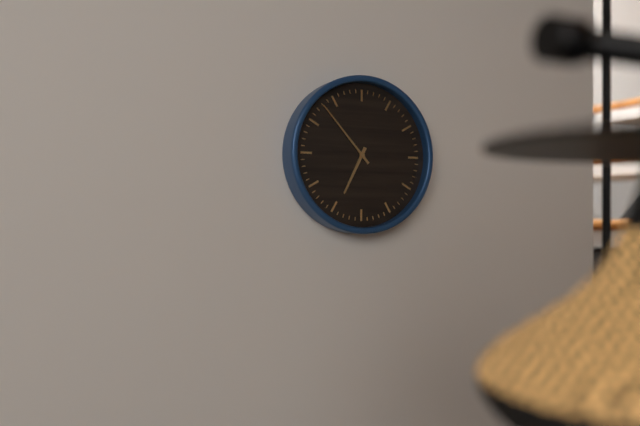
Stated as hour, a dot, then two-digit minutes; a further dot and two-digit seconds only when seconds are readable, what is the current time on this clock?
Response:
6.53
